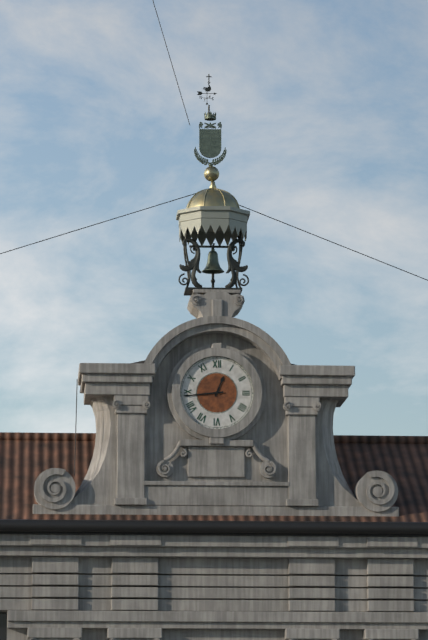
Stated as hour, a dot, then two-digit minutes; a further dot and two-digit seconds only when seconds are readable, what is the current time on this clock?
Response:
12.44
